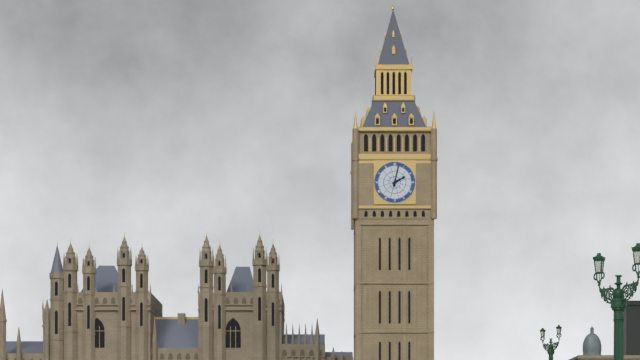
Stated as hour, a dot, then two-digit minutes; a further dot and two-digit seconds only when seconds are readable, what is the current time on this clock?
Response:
2.02
